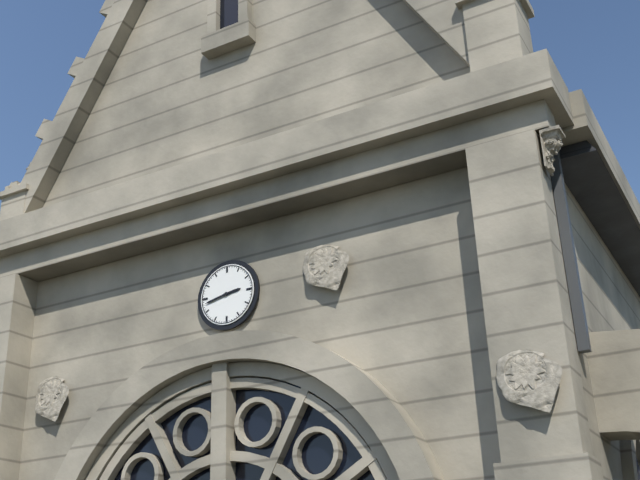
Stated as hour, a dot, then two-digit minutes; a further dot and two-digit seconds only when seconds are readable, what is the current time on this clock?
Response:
2.43
